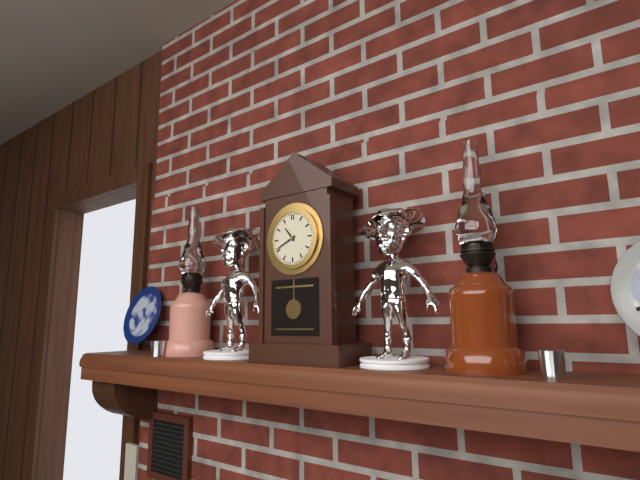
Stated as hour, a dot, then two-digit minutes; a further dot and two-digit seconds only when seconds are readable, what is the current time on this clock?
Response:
10.41
